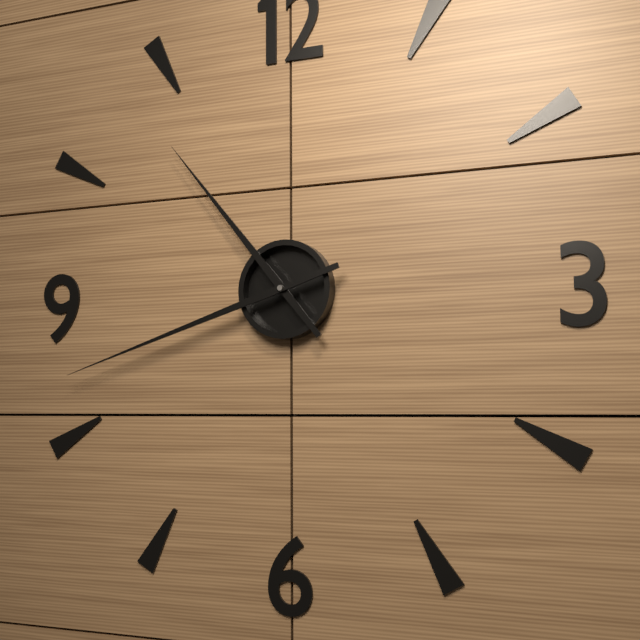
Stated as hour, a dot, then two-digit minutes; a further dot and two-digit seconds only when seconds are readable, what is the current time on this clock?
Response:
10.42
